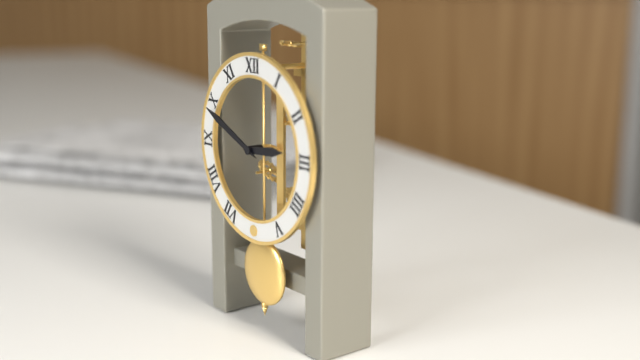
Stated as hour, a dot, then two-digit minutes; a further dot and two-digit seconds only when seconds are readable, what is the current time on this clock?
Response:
2.49
